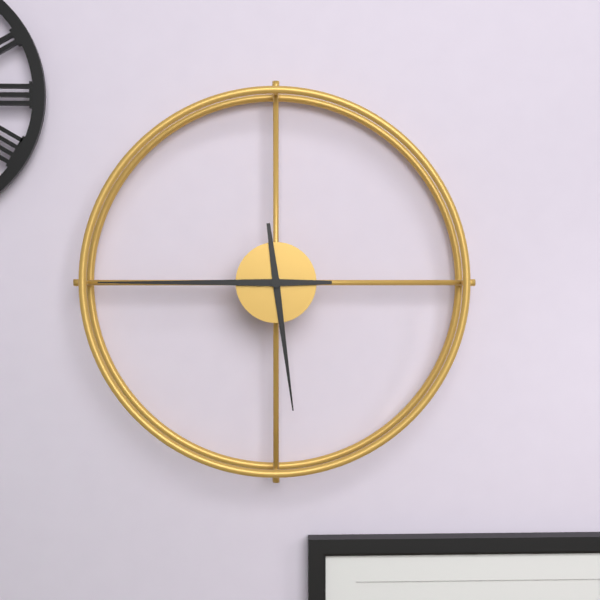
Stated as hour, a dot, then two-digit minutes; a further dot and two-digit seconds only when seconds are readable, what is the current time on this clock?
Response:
5.45
